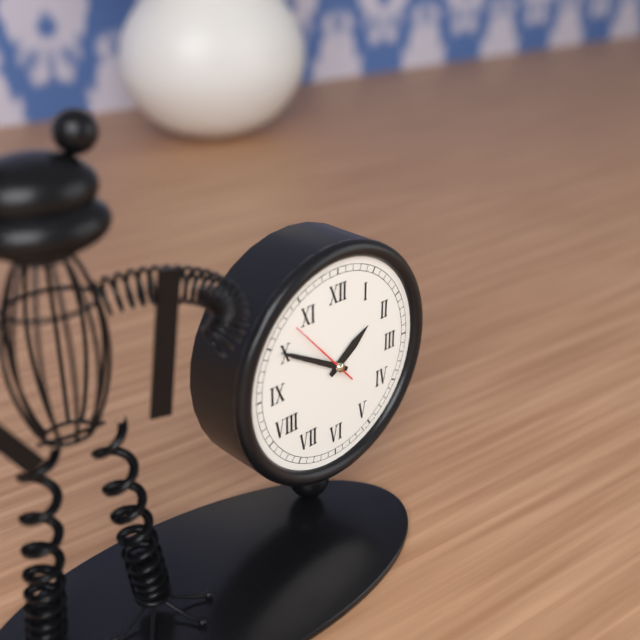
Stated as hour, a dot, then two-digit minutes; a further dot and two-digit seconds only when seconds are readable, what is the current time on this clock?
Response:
1.50
